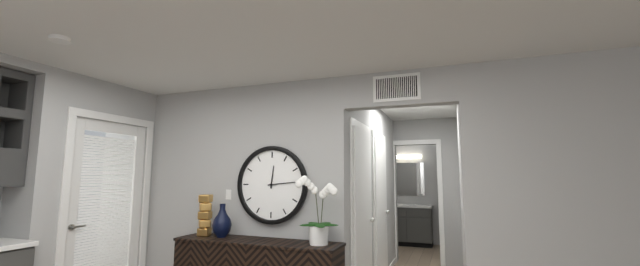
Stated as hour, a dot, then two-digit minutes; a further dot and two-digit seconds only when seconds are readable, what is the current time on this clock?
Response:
12.14
